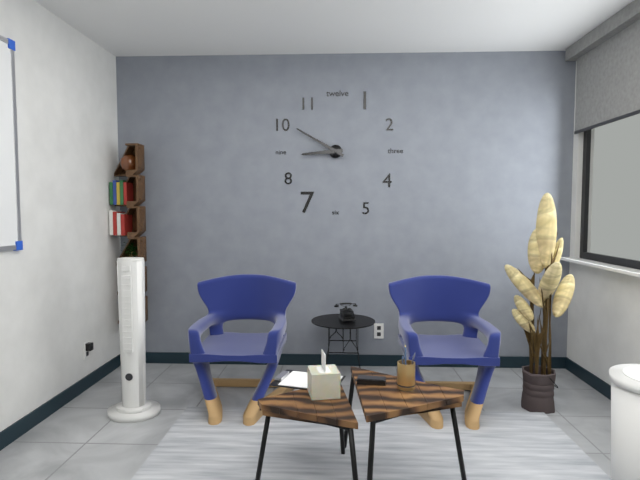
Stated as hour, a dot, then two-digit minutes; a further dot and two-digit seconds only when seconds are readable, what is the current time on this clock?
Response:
8.50
